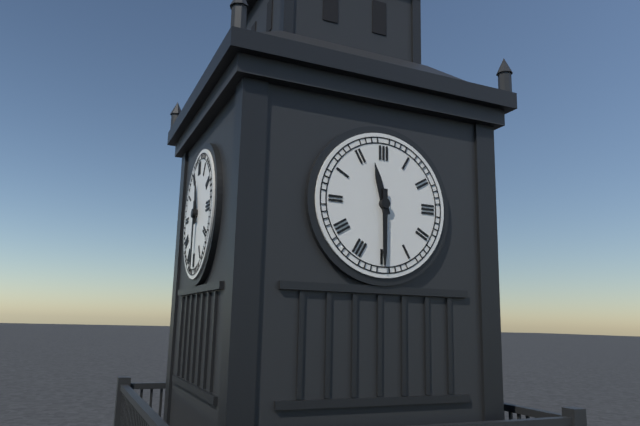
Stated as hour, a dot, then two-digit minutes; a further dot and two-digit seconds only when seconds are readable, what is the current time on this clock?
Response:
11.30
